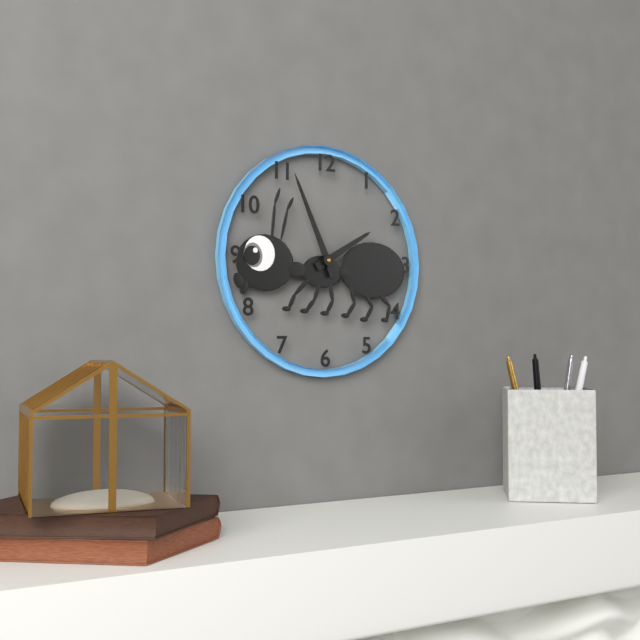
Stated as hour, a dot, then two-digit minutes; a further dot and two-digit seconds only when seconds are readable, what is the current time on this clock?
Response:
1.56
